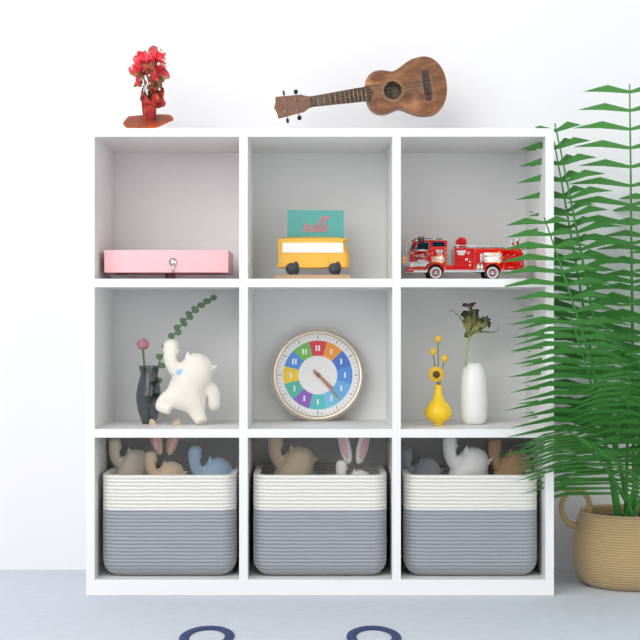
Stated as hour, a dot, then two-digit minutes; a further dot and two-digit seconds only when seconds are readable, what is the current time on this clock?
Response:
4.23
